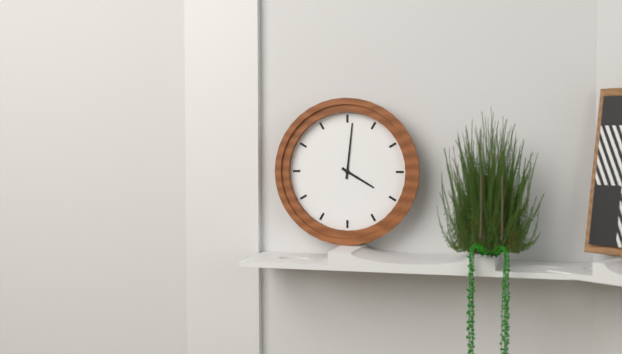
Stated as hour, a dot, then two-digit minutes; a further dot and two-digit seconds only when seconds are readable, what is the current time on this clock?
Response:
4.01
